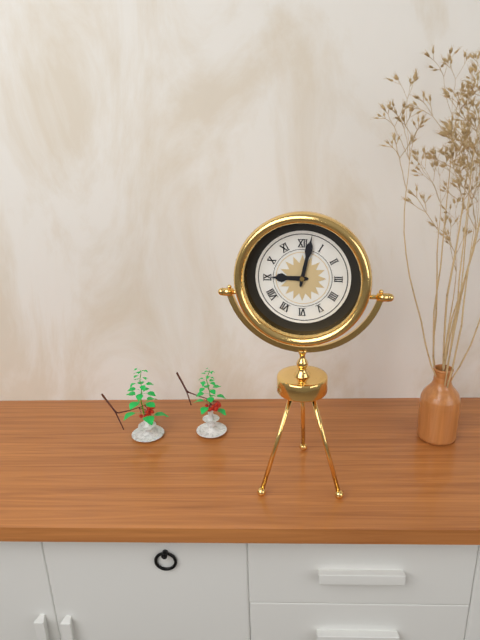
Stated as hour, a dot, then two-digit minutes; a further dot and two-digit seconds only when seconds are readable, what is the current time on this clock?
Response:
9.02
